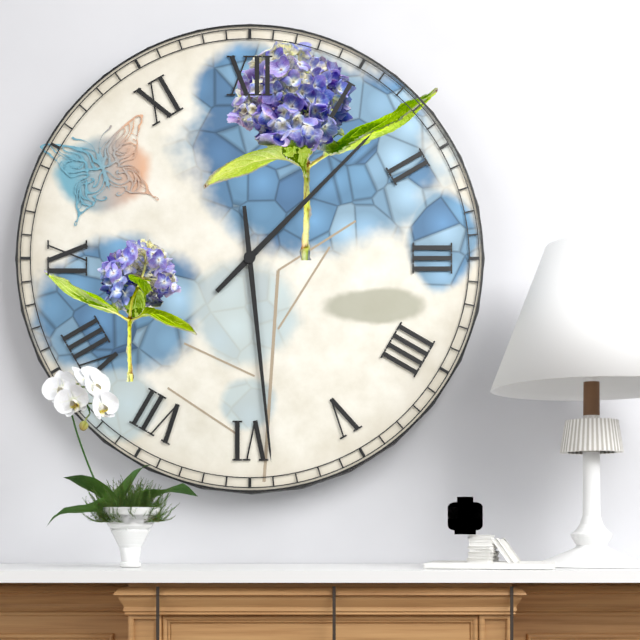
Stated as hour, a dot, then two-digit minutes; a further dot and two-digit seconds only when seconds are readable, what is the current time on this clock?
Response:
1.29
